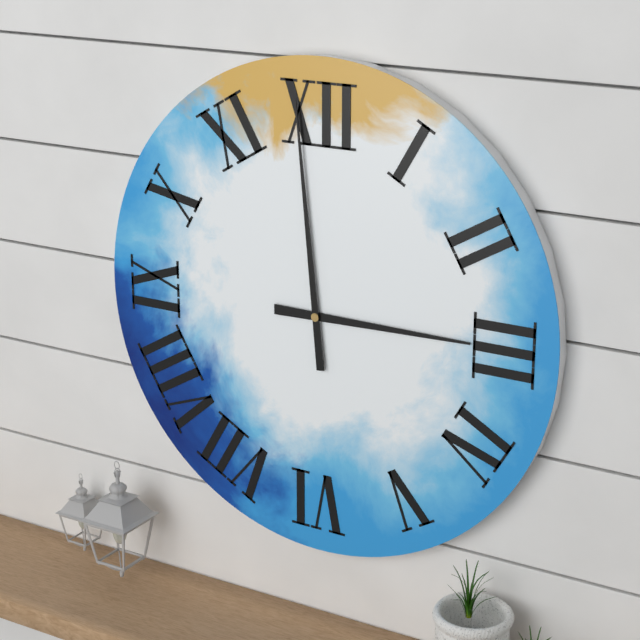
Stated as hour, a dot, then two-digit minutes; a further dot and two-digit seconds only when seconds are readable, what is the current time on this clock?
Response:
2.59
